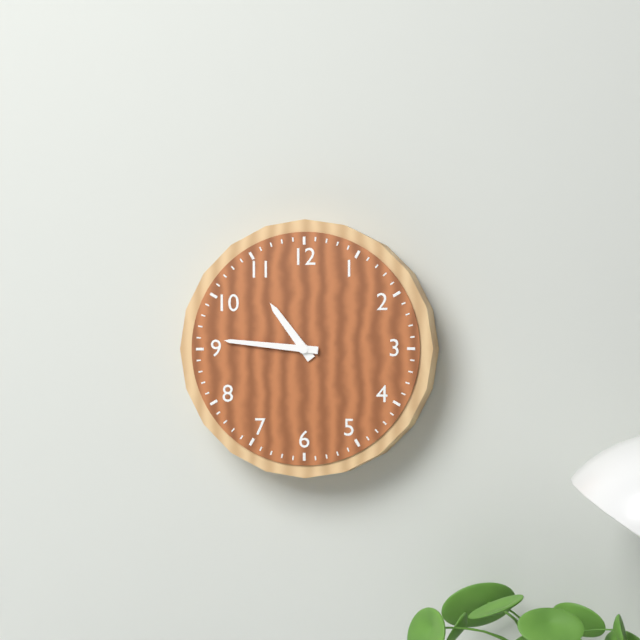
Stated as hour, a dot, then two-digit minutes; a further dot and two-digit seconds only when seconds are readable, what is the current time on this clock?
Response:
10.46
